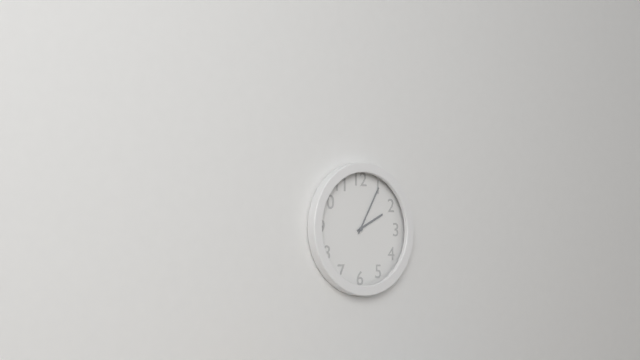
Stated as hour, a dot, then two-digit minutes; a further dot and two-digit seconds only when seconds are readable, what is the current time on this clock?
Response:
2.05
